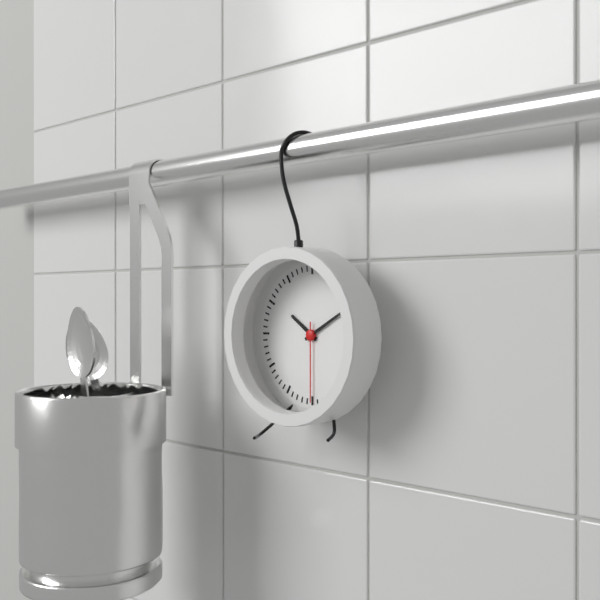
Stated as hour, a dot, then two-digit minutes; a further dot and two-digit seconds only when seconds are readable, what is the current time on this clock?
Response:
10.10.30
